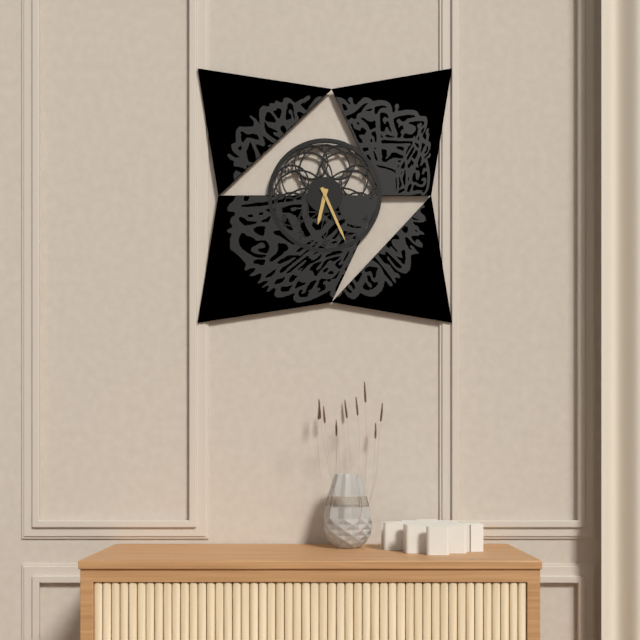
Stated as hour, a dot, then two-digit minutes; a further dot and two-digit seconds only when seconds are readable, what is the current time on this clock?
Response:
6.26
